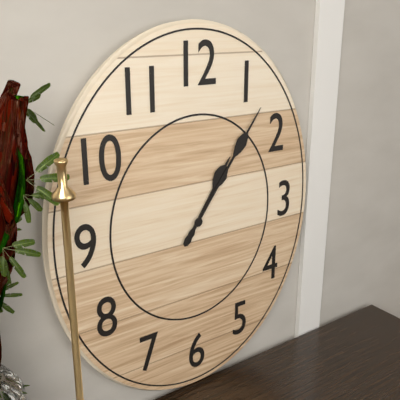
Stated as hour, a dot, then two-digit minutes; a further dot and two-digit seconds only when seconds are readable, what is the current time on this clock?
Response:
1.06
